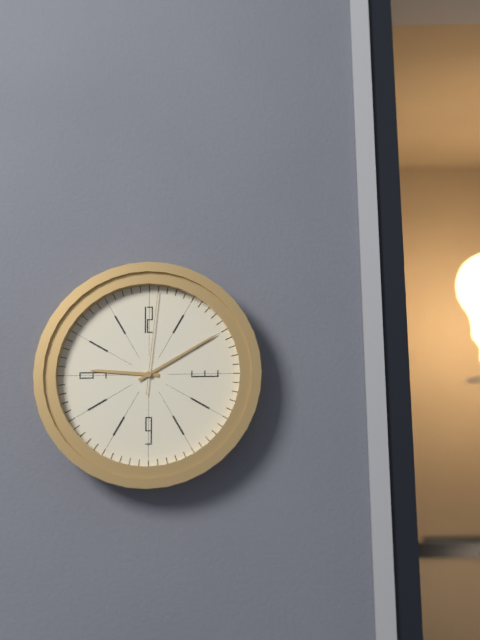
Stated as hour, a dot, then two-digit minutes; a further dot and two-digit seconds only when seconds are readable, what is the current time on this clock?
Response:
9.10.01
